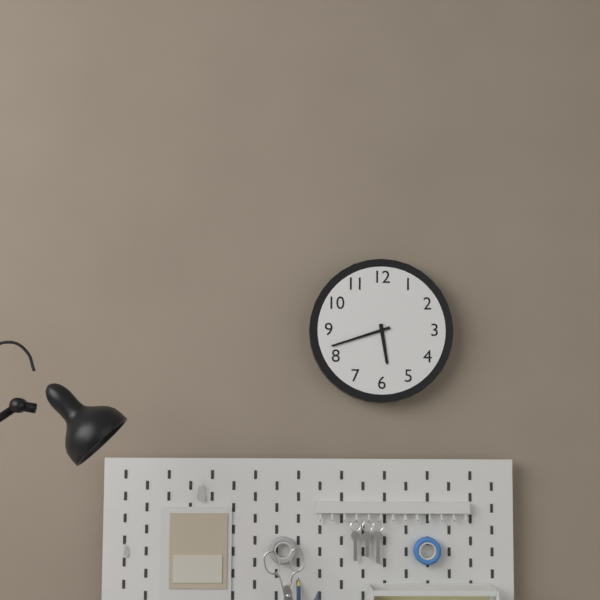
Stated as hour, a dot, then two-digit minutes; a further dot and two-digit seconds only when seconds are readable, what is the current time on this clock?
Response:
5.42
